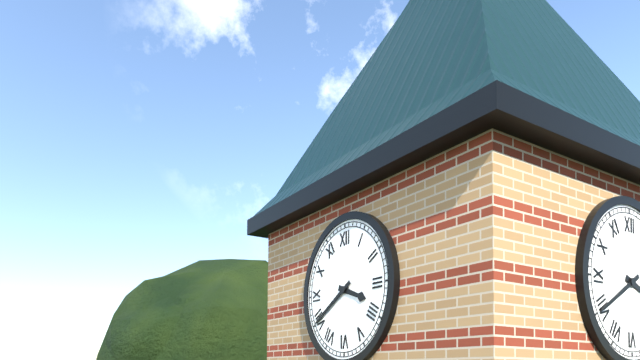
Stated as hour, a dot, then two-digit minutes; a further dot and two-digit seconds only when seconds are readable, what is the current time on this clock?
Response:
3.40
